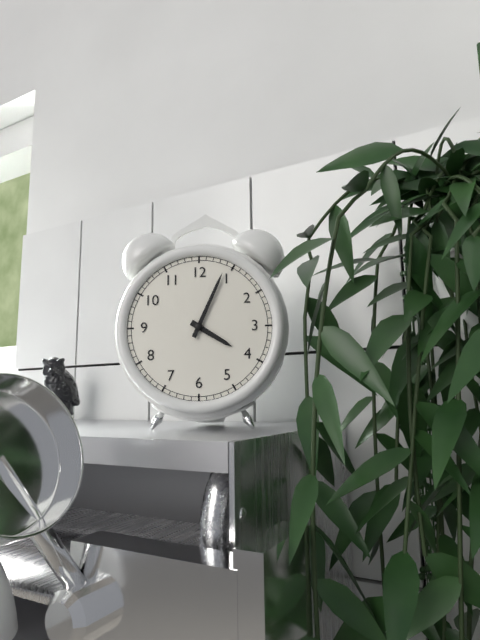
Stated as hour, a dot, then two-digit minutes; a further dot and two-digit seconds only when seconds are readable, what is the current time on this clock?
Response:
4.04
